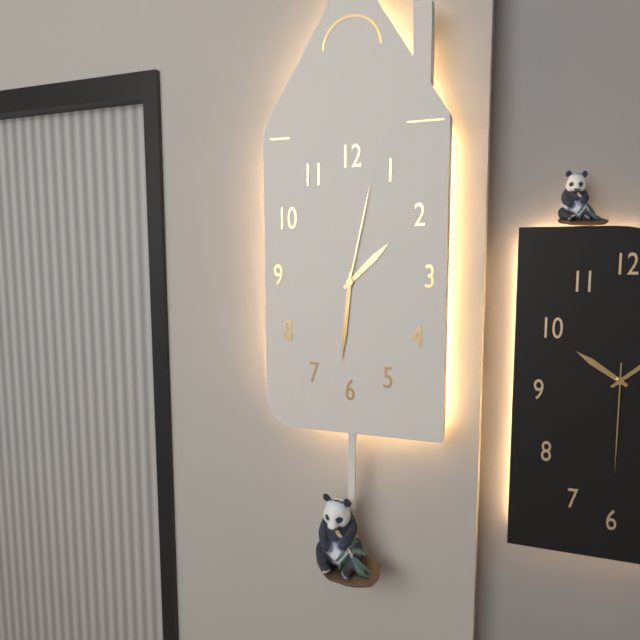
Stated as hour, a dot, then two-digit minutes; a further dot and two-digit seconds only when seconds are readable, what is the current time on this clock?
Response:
1.31.02
